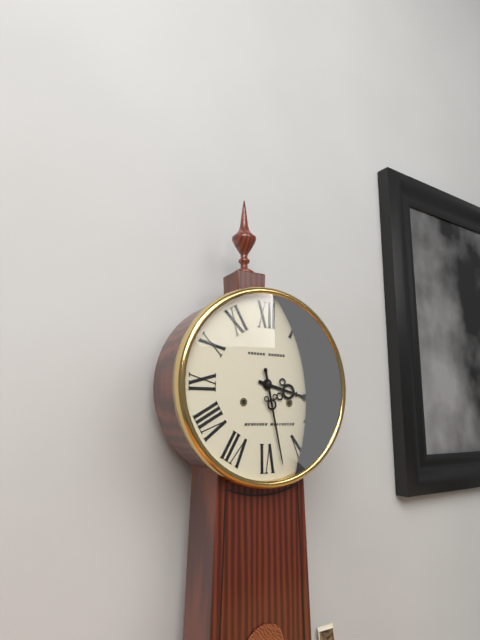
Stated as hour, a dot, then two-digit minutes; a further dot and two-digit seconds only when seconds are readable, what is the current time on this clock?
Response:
3.28
